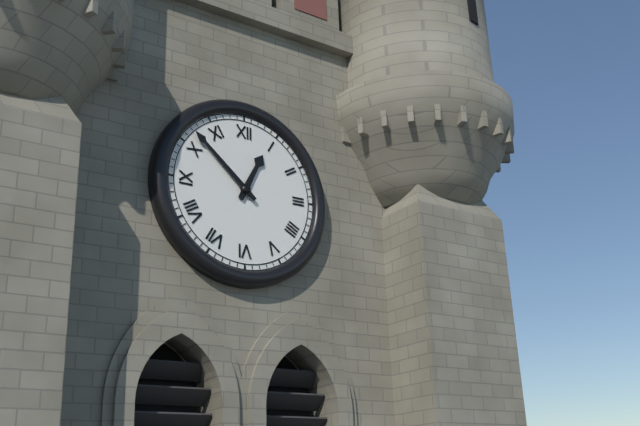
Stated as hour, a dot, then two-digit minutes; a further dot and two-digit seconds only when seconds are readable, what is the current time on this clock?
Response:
12.52
